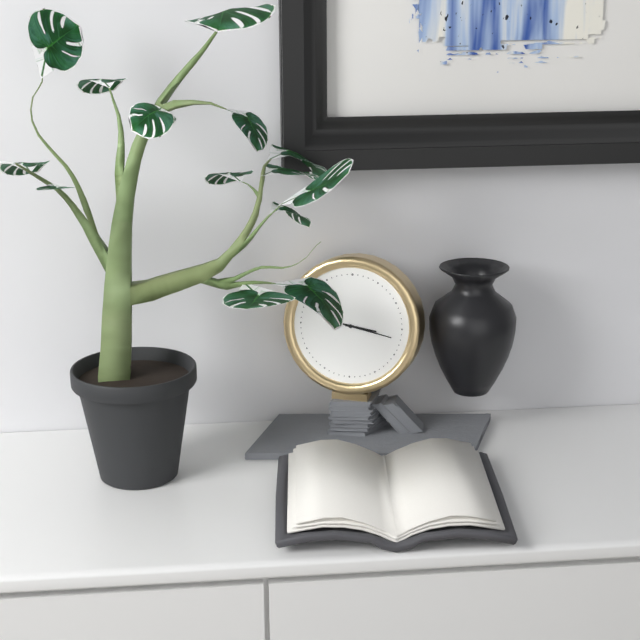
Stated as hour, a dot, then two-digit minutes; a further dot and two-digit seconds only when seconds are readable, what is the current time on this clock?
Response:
3.17
